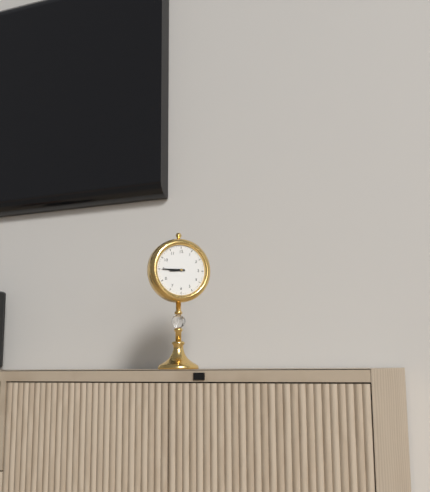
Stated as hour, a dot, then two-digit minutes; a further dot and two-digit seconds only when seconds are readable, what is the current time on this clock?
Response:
8.45
